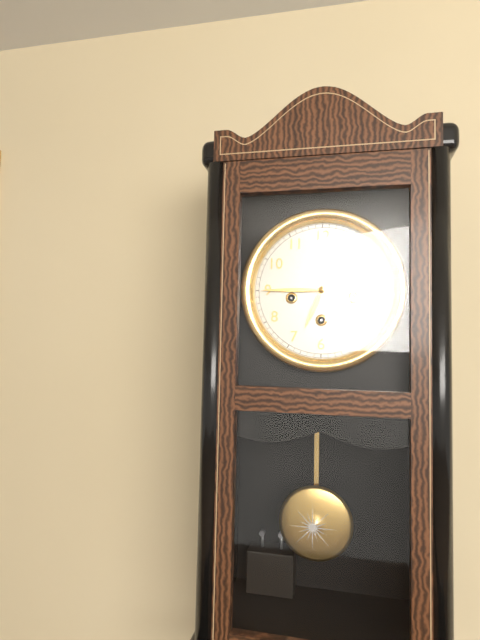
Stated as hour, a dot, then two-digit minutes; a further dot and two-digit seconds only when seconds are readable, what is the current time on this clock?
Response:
6.45
